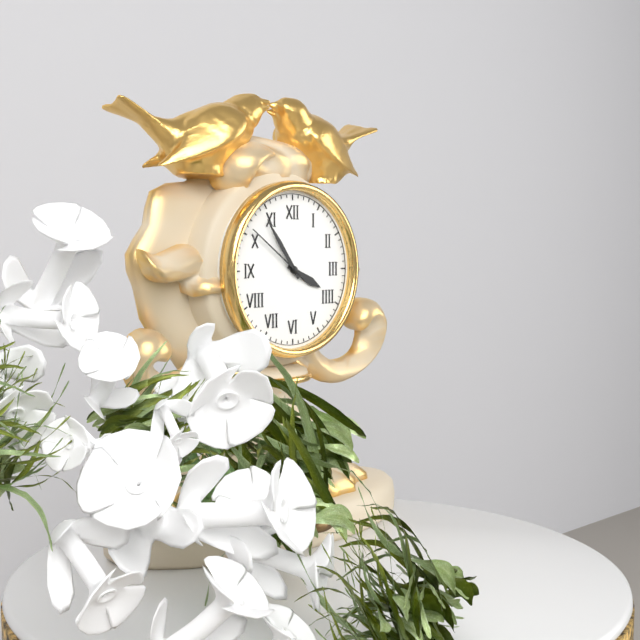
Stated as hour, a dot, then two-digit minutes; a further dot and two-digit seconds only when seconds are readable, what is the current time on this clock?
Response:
3.54.51
